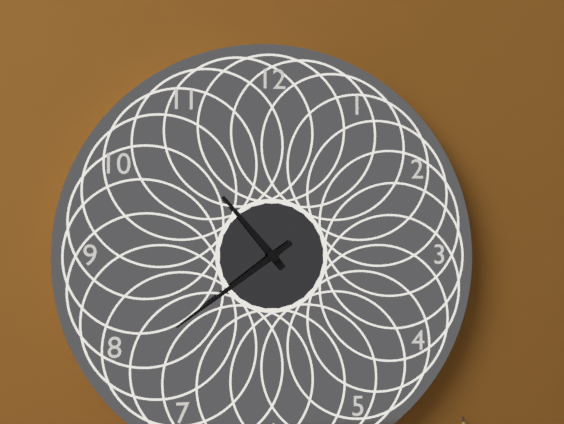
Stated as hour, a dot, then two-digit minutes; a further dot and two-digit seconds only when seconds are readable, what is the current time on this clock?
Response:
10.39
